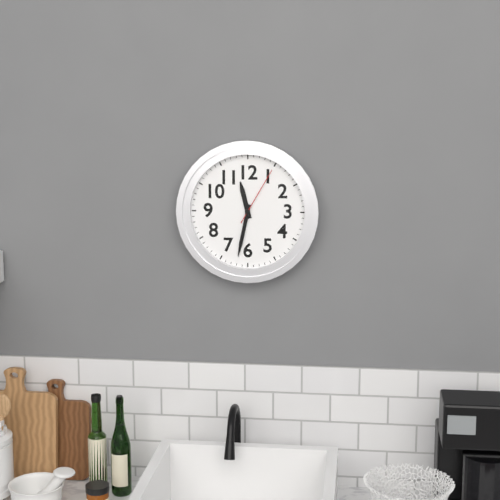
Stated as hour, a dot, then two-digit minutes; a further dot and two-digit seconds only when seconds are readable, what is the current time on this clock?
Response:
11.32.05
